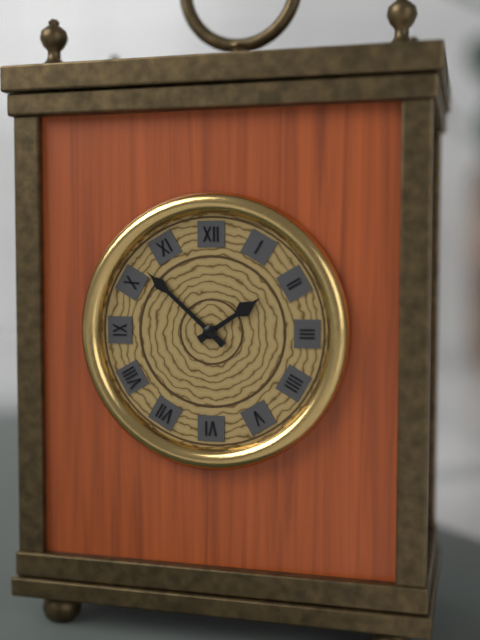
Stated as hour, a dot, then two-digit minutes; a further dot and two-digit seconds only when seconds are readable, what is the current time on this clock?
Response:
1.52
